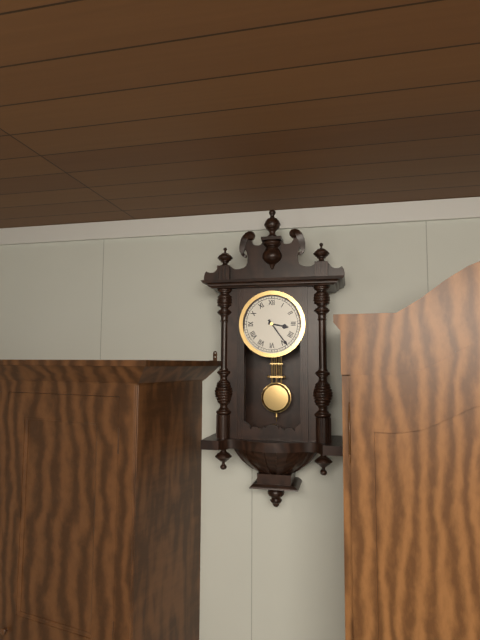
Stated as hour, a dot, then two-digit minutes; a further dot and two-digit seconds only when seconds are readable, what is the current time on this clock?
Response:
3.24
